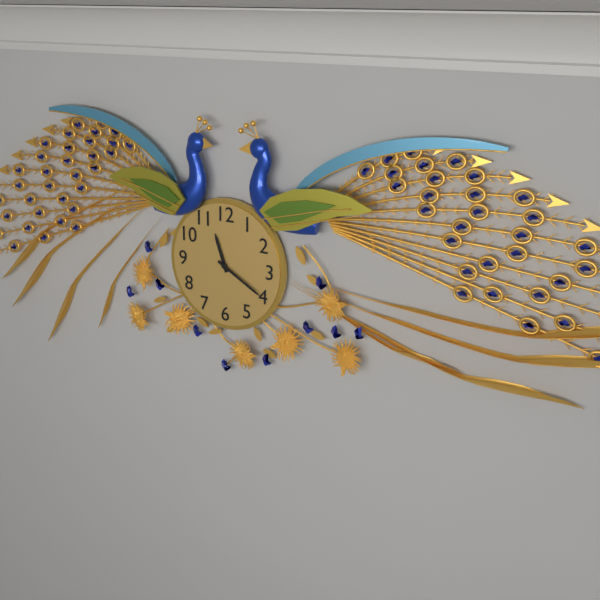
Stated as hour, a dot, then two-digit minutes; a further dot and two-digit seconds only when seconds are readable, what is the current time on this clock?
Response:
11.20
